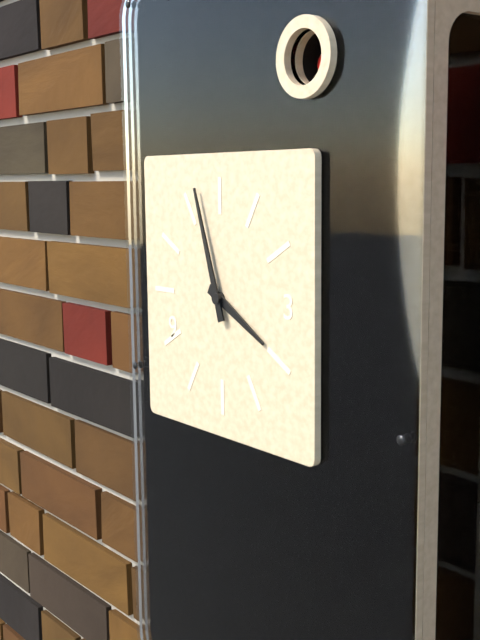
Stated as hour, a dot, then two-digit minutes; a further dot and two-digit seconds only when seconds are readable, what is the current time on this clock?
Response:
3.57
